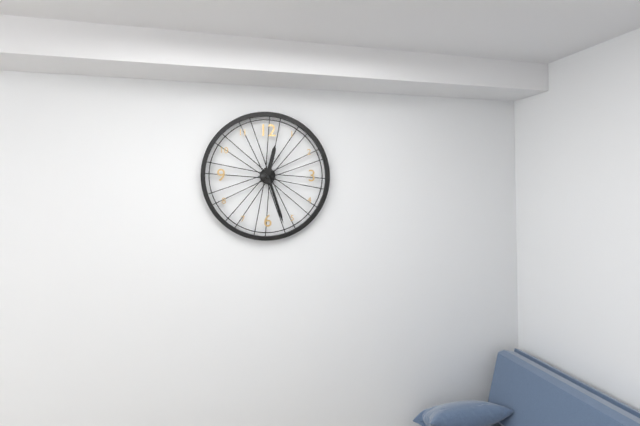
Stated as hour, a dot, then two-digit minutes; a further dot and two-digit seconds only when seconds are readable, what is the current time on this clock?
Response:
12.27
